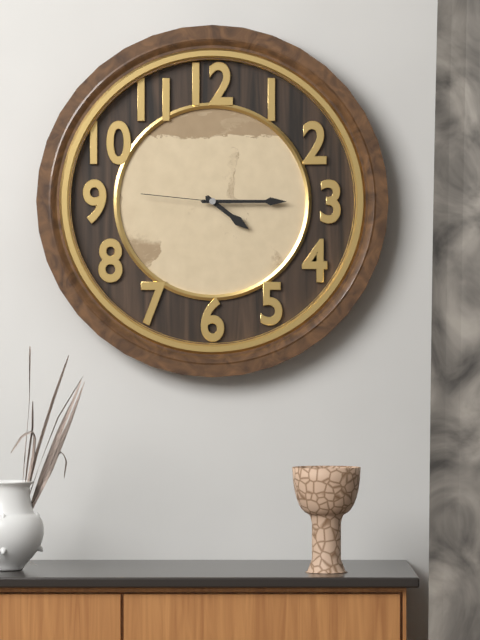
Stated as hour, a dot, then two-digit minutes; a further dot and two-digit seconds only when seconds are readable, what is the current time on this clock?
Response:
4.15.46
